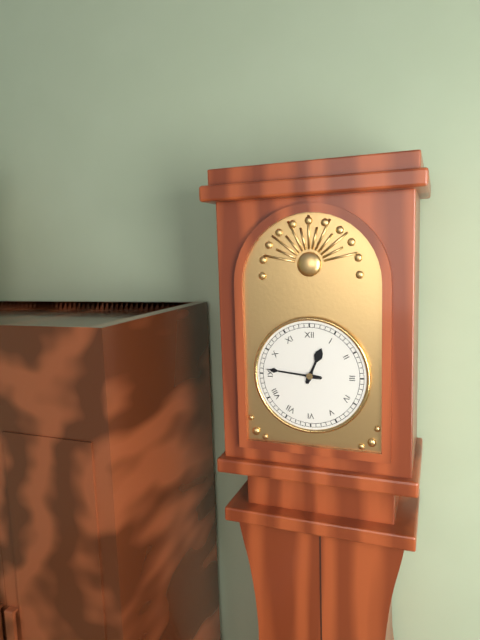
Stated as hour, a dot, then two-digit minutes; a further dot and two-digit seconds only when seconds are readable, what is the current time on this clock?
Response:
12.46
